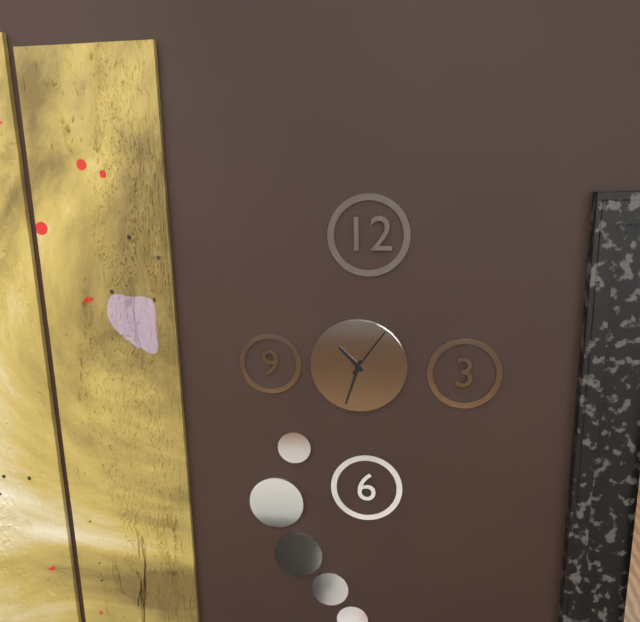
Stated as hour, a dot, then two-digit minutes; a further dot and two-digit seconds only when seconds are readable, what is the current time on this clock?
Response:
10.33.06
